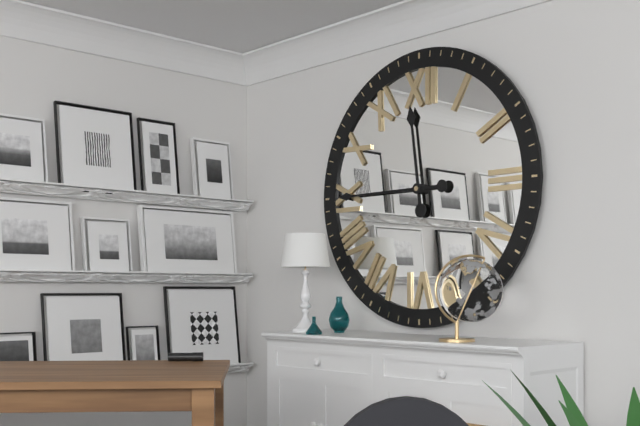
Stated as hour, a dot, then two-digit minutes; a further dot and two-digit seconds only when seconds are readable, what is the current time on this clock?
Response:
11.45
